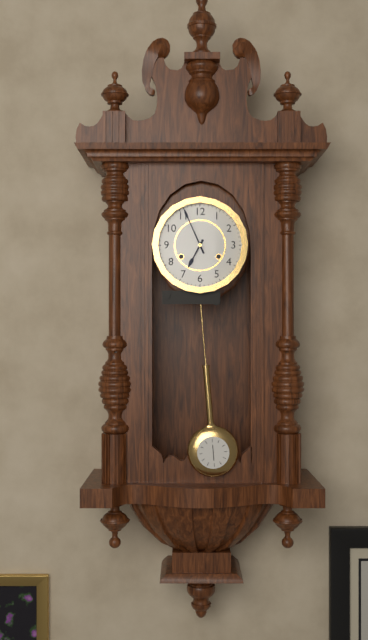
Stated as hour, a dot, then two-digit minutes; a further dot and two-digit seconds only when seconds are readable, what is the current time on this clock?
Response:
6.56
